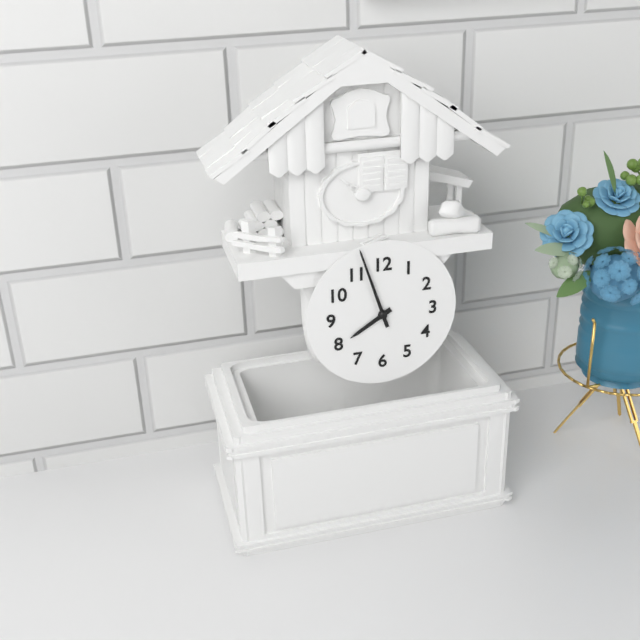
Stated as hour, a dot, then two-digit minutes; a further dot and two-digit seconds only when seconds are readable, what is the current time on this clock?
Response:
7.57
